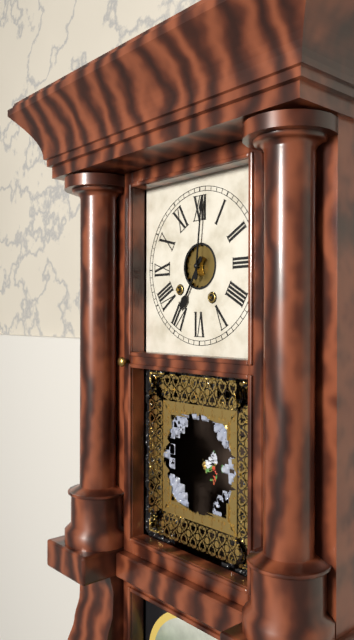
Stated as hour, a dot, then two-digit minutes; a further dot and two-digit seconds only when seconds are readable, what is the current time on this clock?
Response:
7.01
